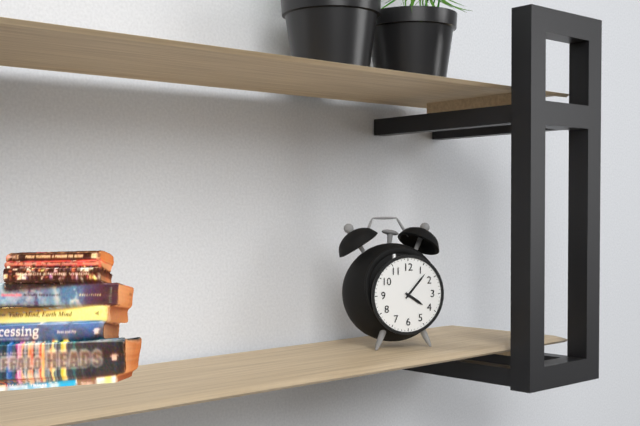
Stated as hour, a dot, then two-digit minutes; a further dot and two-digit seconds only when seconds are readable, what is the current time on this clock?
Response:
4.07
